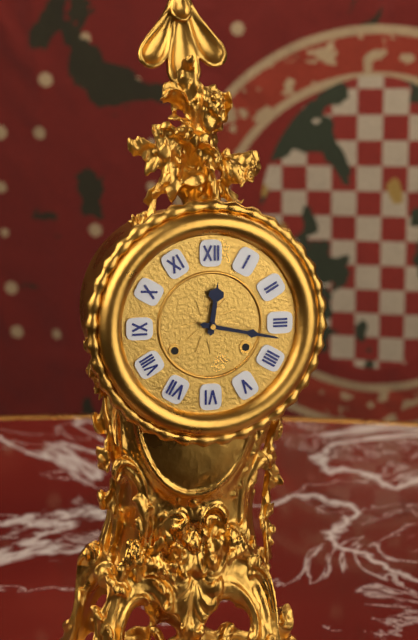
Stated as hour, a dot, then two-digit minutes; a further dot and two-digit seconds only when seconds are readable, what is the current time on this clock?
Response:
12.17
